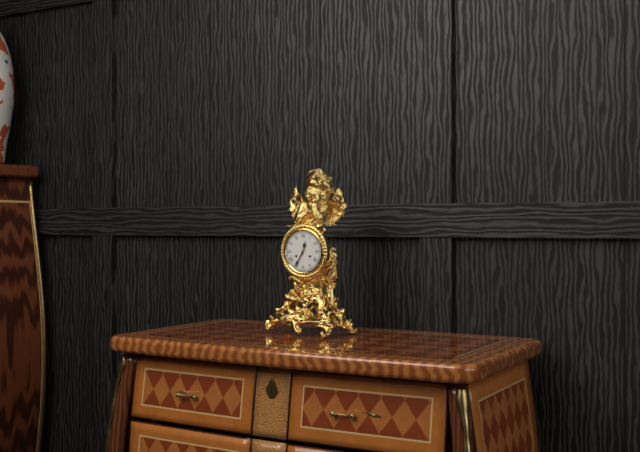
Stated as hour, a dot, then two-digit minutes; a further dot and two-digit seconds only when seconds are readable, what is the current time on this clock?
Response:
12.35
